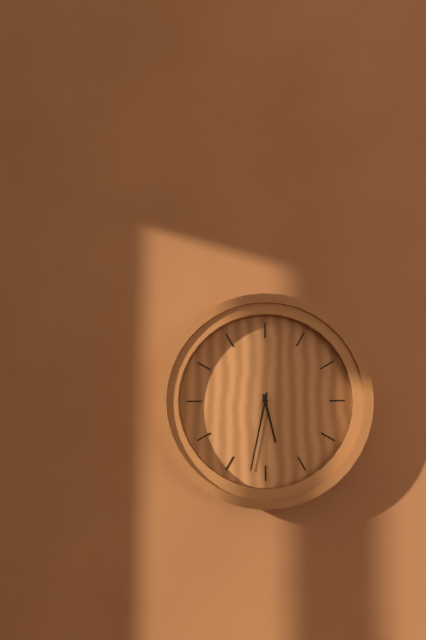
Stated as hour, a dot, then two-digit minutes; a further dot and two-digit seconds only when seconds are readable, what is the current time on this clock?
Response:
5.32
